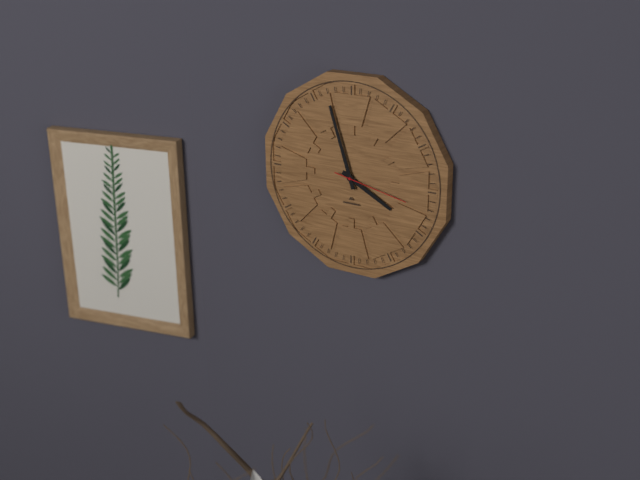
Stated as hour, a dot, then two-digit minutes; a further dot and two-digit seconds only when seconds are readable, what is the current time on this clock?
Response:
3.57.17
